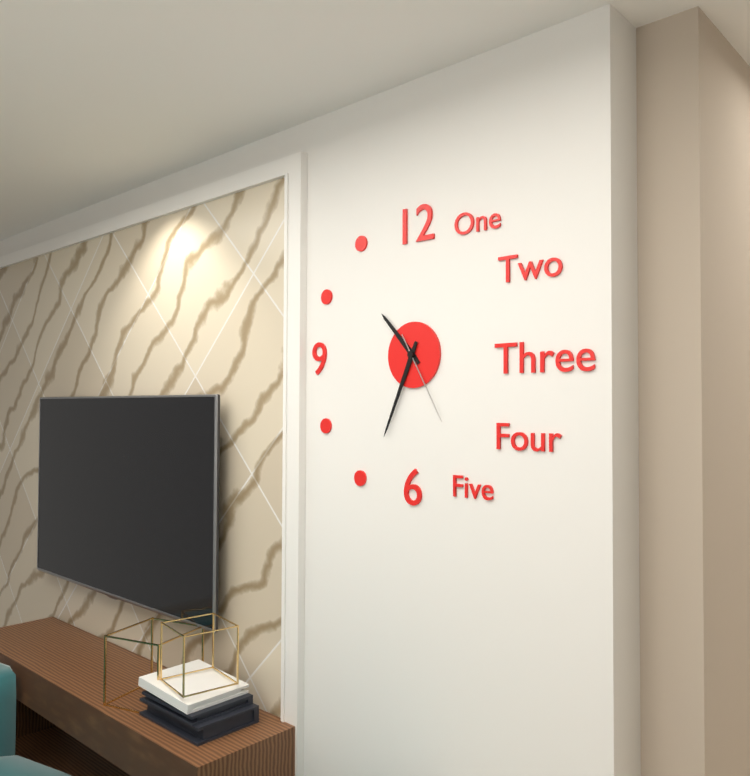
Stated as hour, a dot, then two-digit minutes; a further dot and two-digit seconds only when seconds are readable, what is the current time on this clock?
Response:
10.34.25
